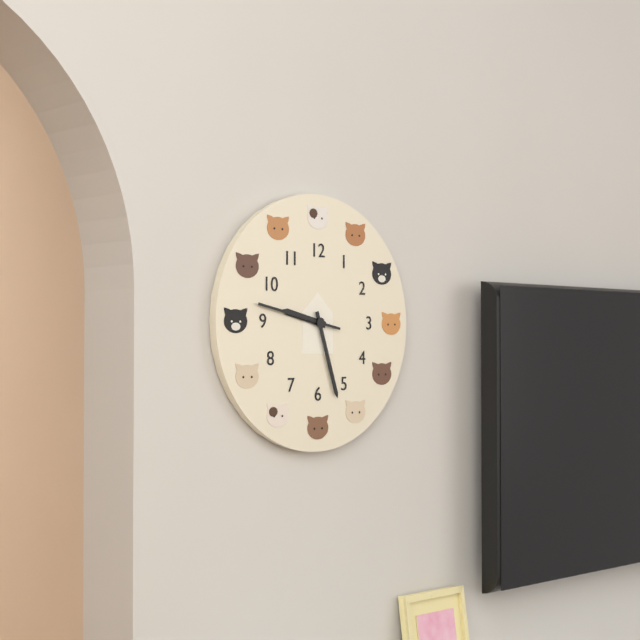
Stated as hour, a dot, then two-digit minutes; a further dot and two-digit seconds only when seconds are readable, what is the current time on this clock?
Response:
9.27.47
